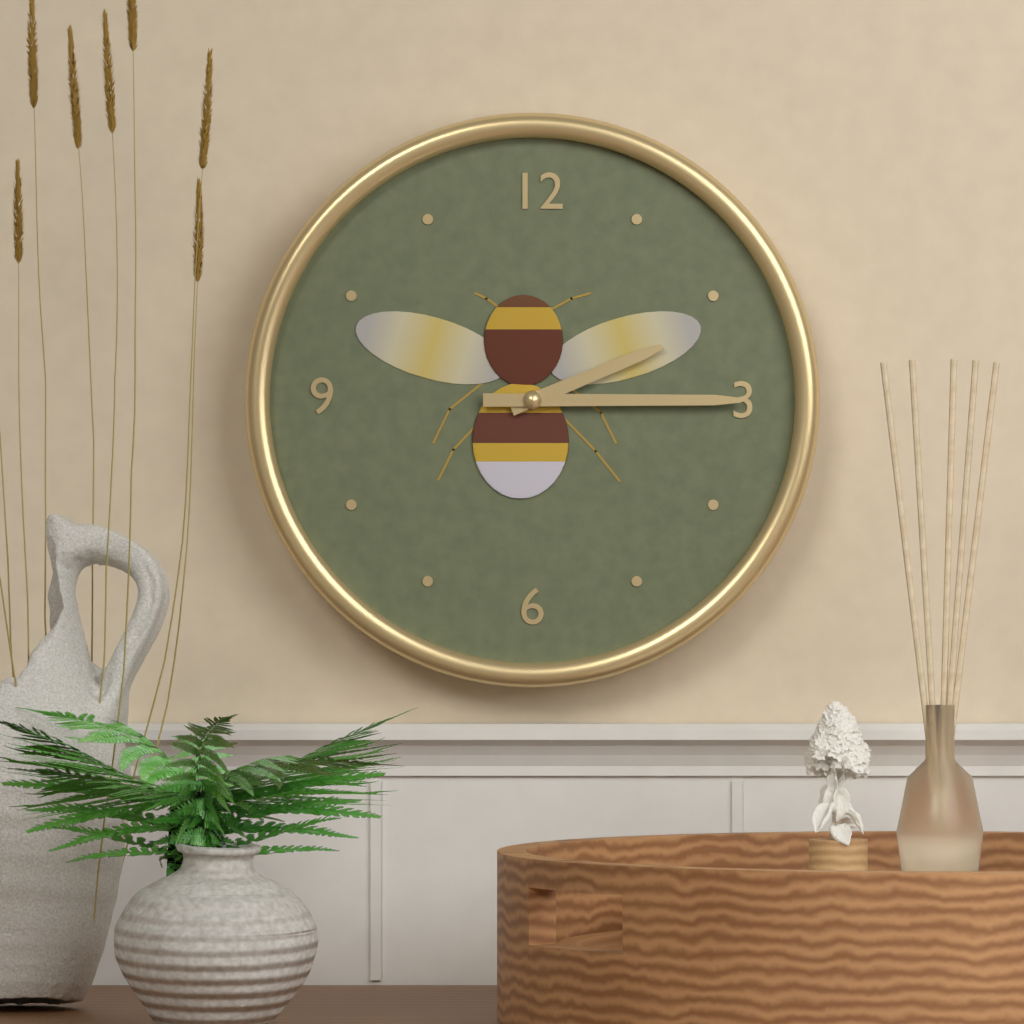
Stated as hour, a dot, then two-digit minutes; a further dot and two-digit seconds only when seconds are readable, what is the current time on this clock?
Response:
2.15
